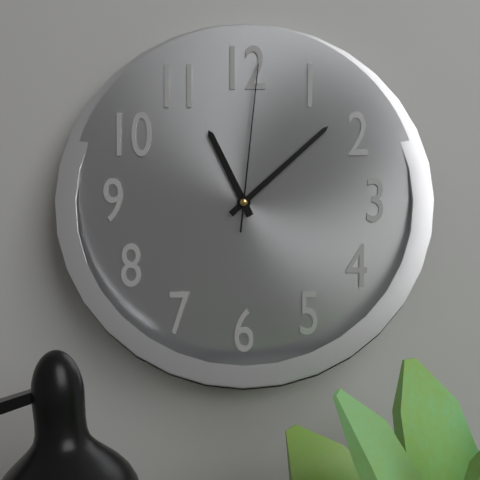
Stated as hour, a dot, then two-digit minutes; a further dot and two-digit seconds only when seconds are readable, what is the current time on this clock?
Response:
11.08.01
